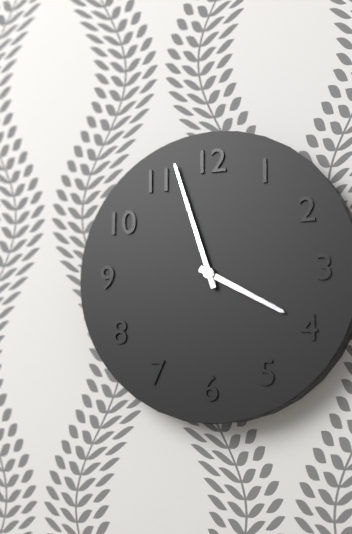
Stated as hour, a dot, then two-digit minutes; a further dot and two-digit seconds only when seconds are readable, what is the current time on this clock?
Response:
3.57
